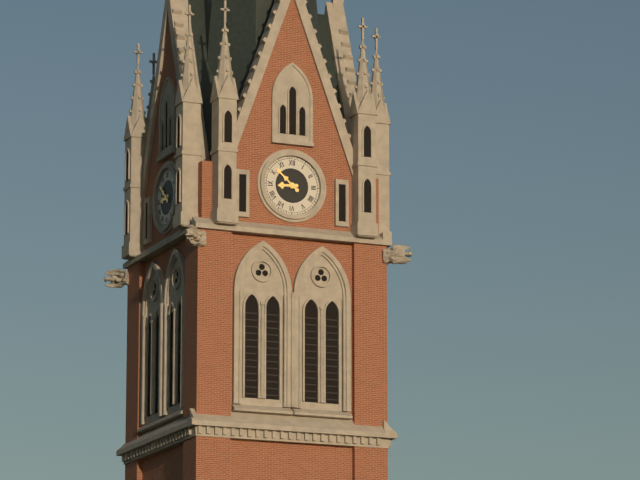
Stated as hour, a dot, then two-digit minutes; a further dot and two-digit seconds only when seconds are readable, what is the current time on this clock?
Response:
8.52
